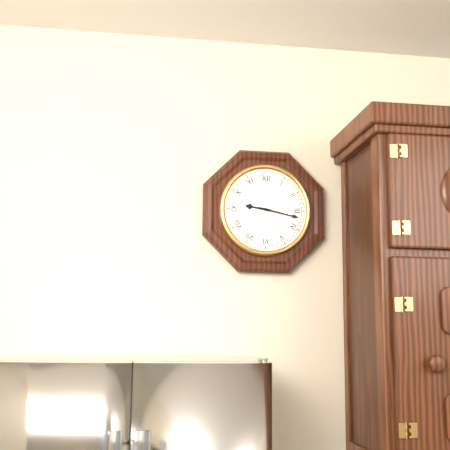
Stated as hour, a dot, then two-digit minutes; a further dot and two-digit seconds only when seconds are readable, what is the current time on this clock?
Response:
9.17
